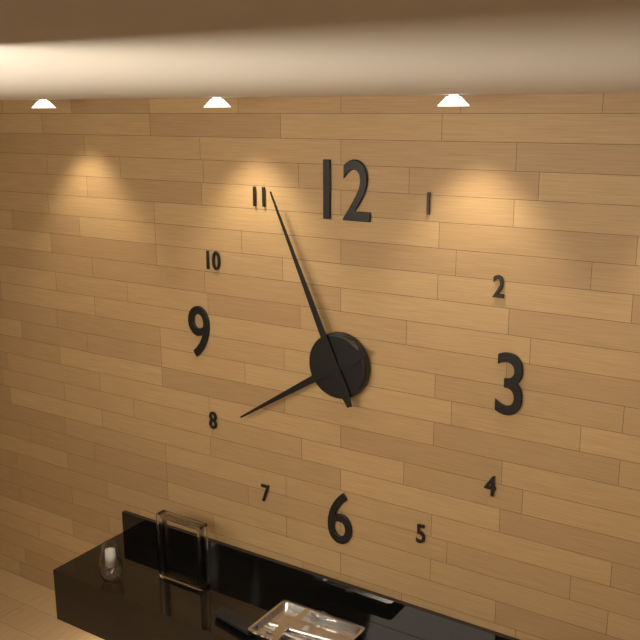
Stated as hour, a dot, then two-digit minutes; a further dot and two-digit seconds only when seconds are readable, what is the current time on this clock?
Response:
7.56
